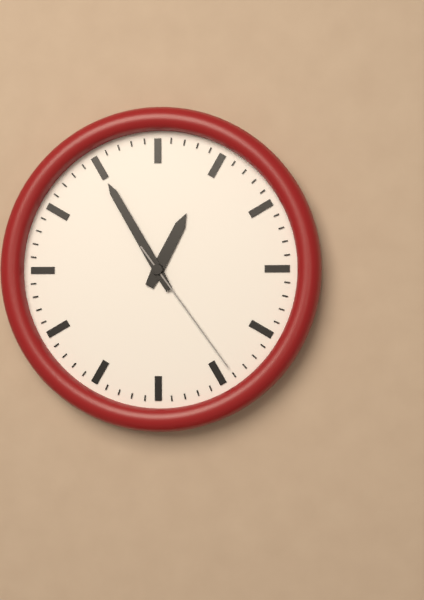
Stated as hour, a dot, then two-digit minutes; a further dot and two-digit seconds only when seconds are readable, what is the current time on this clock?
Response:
12.55.24
